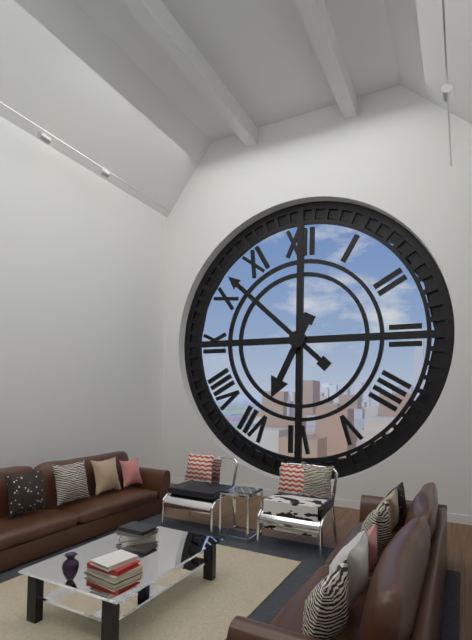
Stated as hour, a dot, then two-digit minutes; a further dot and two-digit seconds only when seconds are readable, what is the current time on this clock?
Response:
6.52
